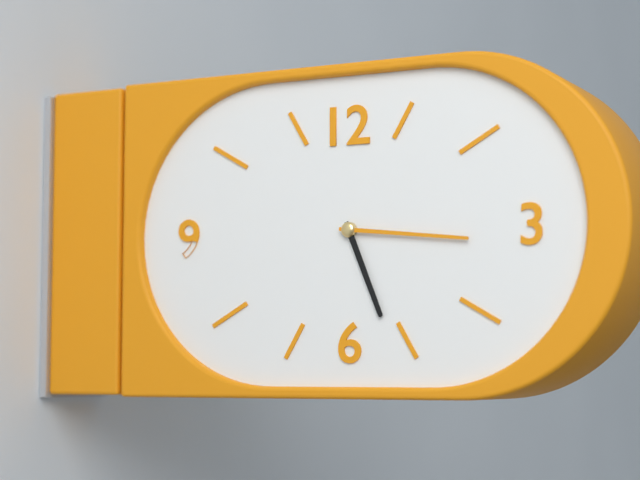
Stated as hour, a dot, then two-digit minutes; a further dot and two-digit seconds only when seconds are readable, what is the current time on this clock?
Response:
5.16
